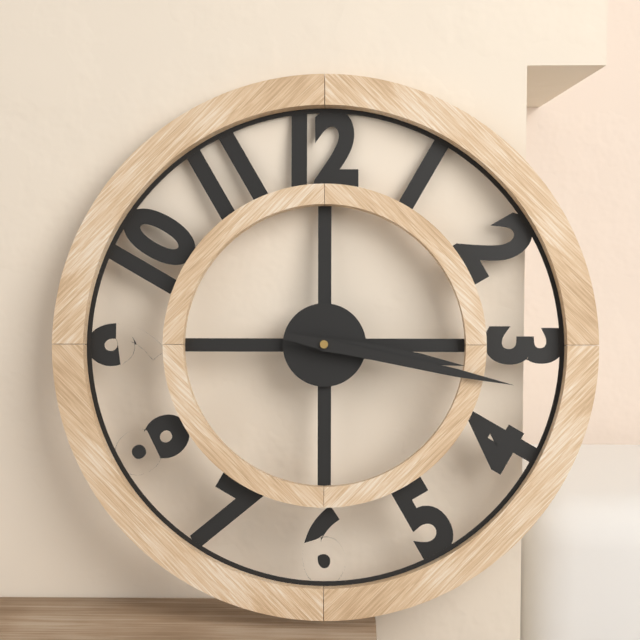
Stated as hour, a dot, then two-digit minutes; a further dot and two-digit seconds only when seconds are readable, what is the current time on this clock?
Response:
3.17
